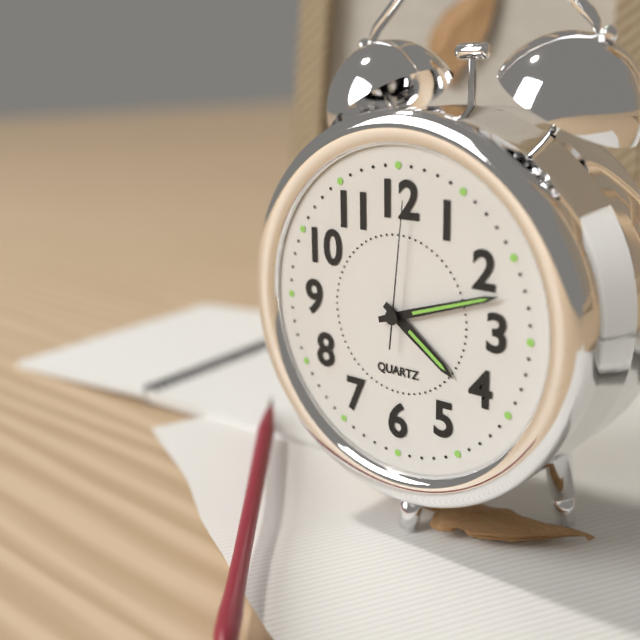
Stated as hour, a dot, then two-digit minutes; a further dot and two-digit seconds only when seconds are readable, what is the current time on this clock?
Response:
4.12.01
